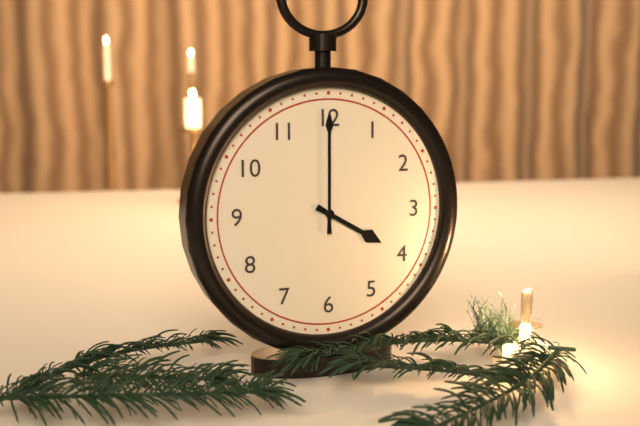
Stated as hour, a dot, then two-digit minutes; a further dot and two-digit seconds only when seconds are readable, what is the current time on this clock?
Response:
4.00
